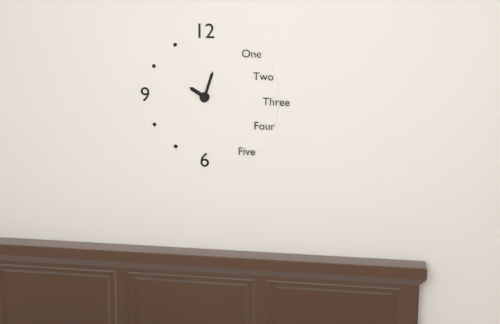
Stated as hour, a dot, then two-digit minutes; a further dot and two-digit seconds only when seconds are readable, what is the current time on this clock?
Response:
10.03
